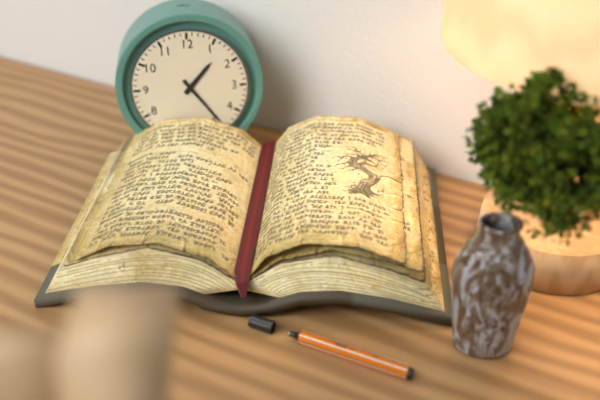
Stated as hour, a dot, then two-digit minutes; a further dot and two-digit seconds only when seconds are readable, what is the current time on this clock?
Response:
1.24
